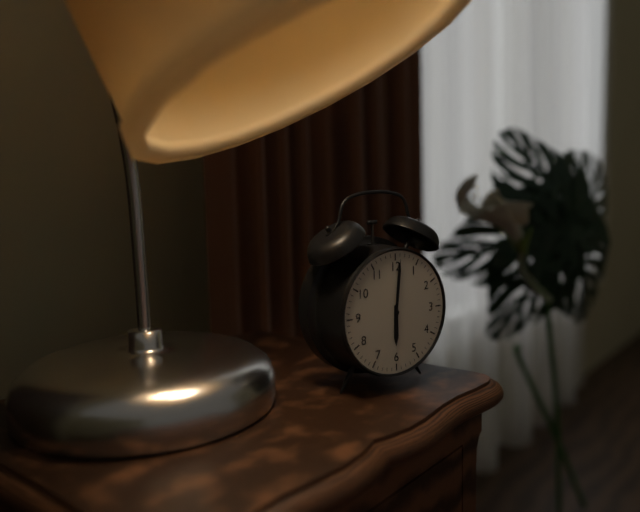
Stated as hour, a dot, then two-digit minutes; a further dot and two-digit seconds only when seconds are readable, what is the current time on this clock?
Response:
6.01
